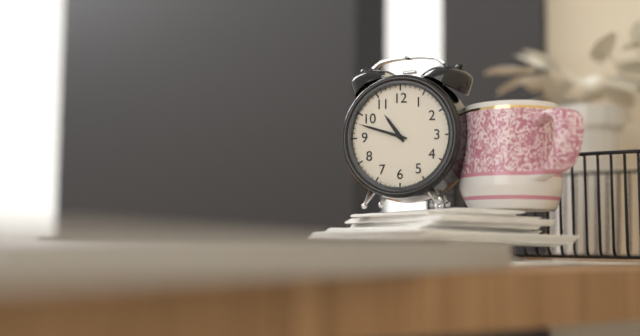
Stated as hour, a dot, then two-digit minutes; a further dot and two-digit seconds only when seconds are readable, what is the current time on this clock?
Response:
10.48
